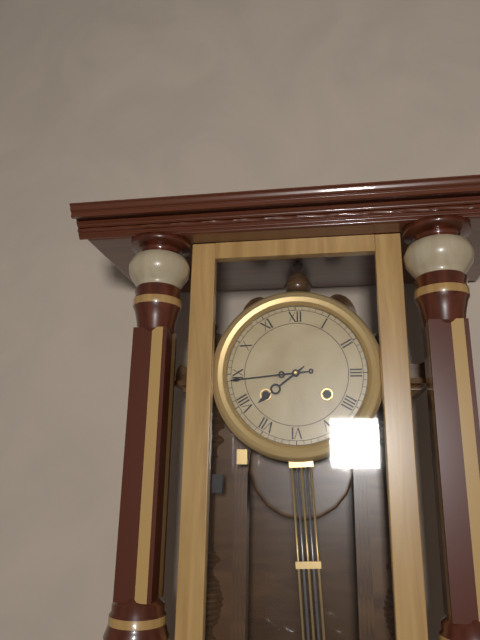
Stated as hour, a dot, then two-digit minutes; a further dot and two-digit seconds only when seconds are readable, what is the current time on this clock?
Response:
7.44
